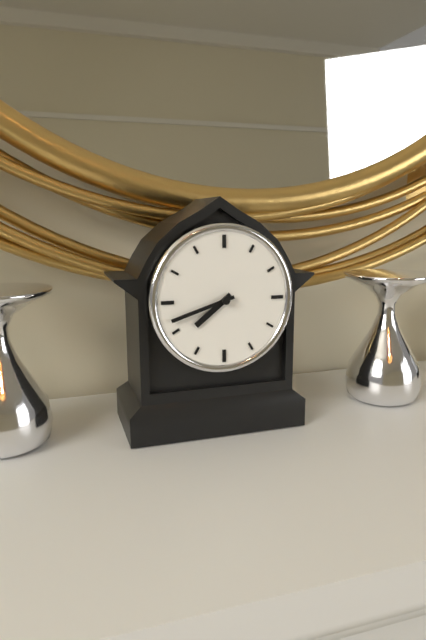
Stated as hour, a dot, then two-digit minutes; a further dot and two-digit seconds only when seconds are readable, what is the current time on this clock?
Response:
7.42
